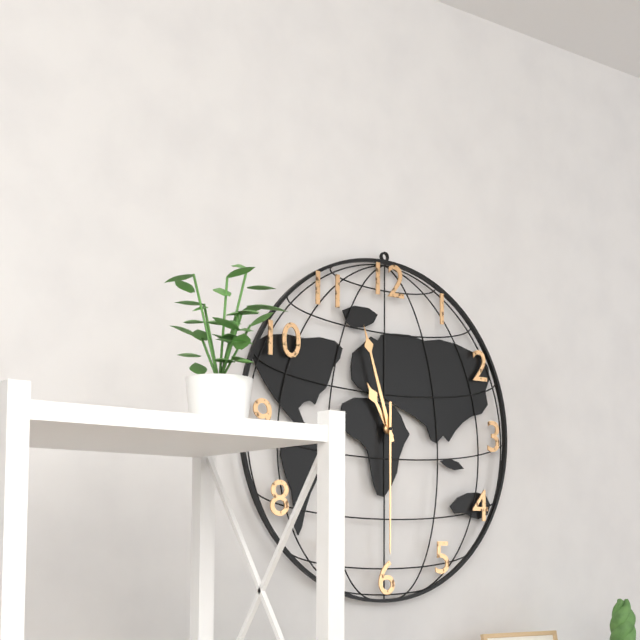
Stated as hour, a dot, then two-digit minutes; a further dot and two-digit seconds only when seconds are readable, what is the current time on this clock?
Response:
10.57.30
